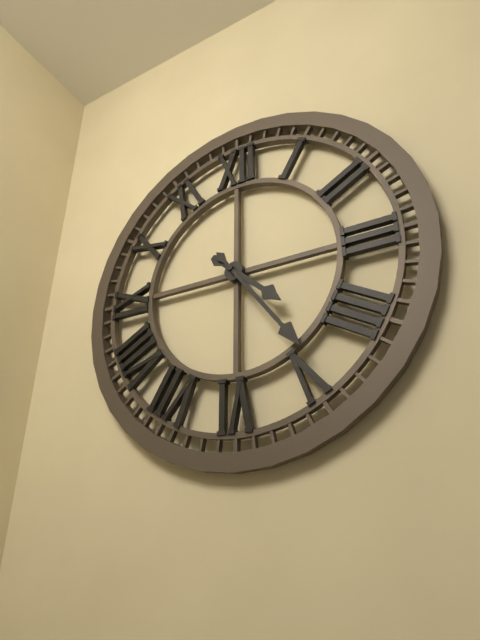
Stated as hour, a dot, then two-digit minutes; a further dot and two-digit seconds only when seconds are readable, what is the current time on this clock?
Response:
4.24
